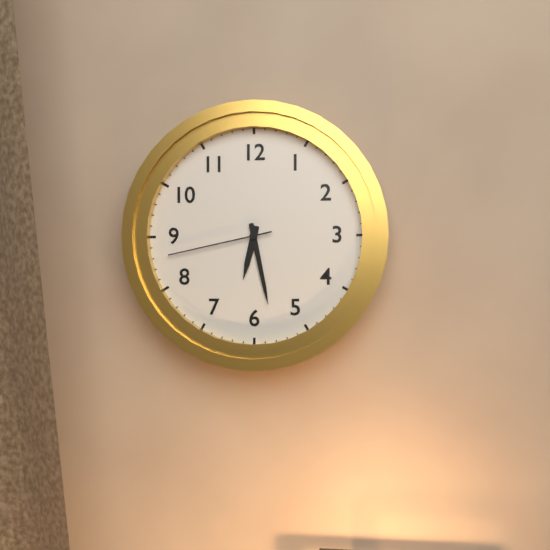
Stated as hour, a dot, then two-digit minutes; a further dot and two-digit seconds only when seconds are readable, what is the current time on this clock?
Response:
6.28.43
